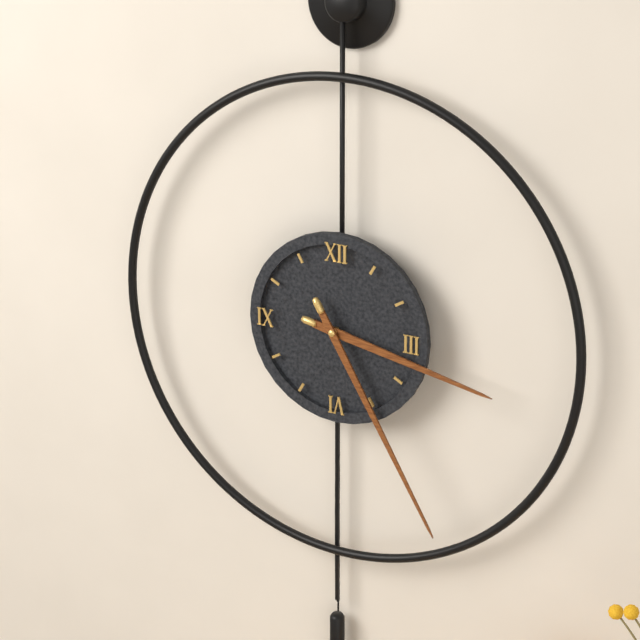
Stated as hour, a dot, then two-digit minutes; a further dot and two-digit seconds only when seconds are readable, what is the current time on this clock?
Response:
3.25
